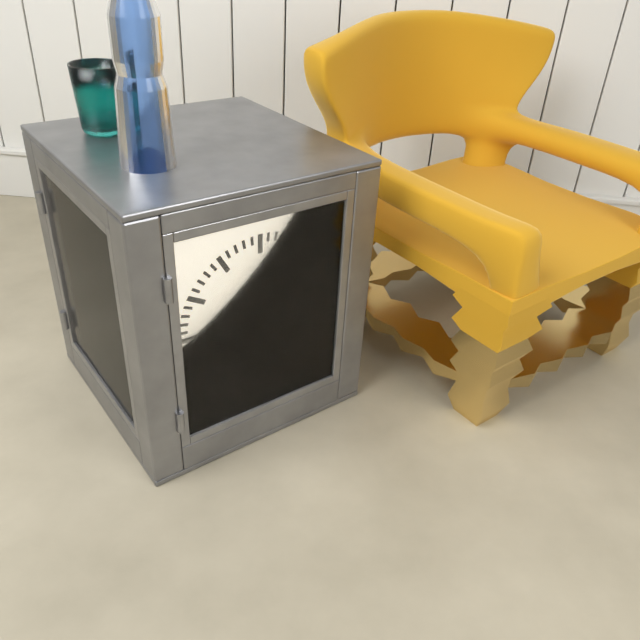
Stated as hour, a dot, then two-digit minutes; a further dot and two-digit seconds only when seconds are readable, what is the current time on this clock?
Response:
12.25
